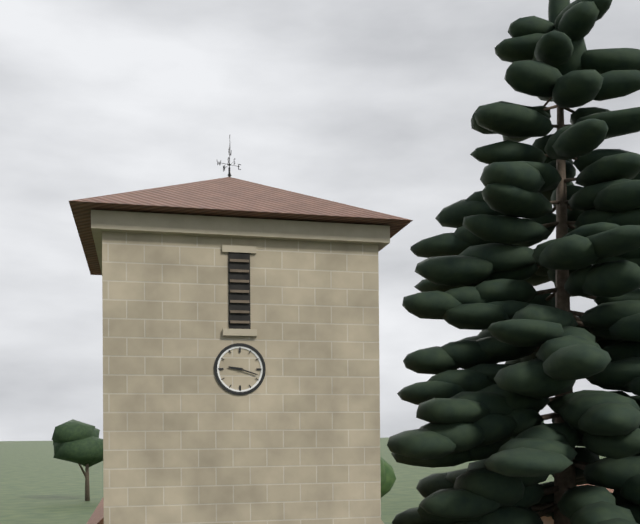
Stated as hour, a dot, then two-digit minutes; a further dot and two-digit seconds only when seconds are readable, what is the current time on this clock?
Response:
9.18
